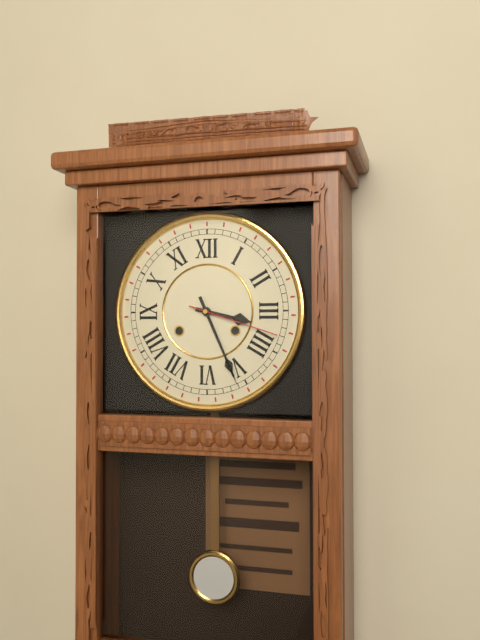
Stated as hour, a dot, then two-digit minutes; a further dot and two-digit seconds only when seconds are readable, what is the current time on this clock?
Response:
3.26.18
